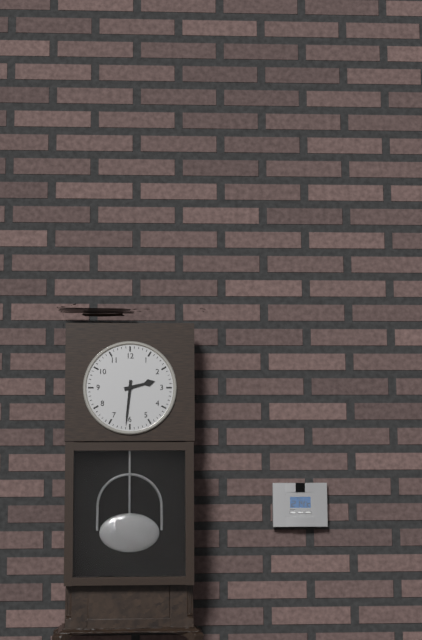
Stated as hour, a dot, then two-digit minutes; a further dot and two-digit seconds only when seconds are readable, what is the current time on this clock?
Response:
2.31
